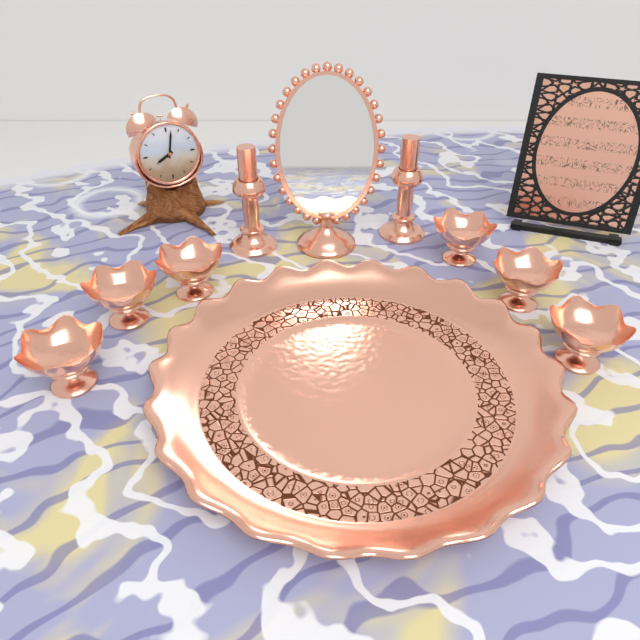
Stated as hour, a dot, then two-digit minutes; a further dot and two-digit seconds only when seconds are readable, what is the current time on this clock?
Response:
8.02
